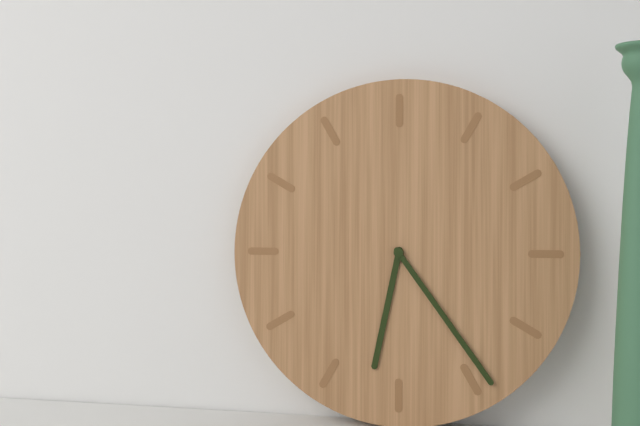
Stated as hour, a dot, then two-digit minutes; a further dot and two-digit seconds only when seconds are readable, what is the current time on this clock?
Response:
6.24
